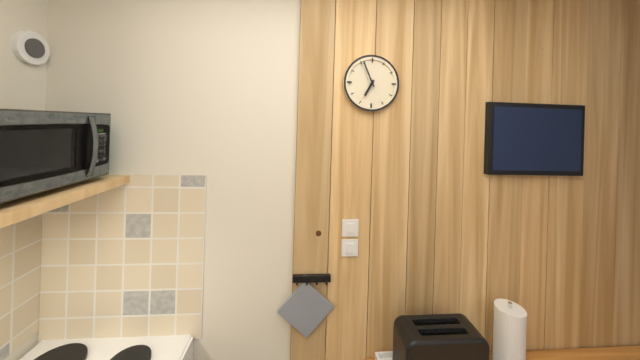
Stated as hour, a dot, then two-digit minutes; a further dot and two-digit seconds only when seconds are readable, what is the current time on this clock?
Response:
6.56
